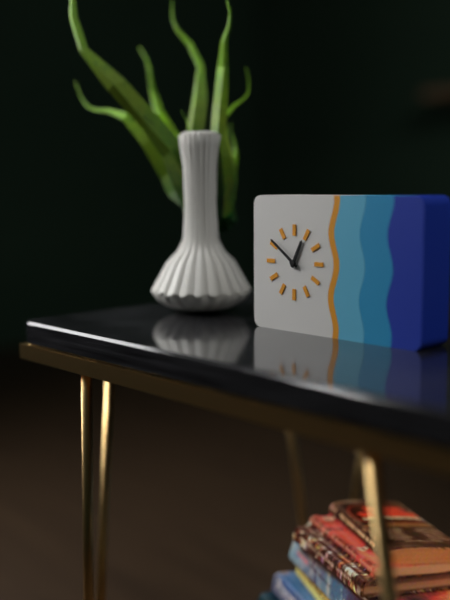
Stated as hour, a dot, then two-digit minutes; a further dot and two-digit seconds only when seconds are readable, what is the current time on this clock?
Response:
12.51
